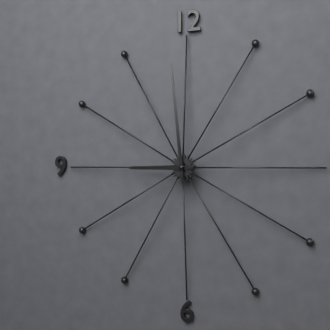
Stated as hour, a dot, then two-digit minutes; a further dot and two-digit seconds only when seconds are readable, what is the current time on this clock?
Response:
8.59
